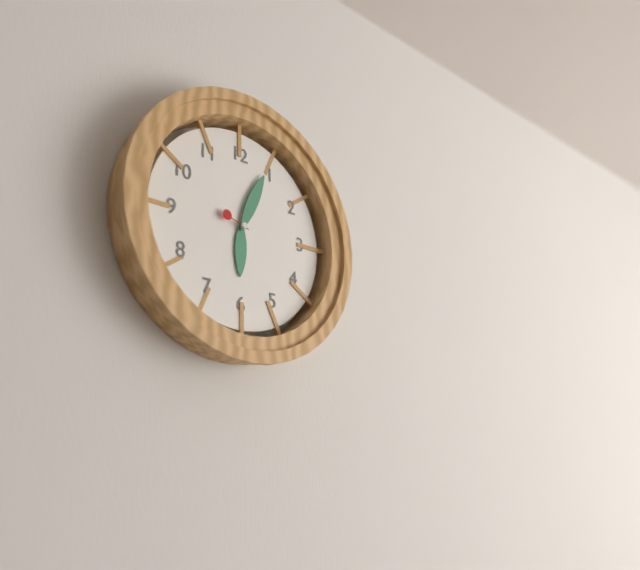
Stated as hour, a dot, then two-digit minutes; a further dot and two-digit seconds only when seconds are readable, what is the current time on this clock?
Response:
6.04
